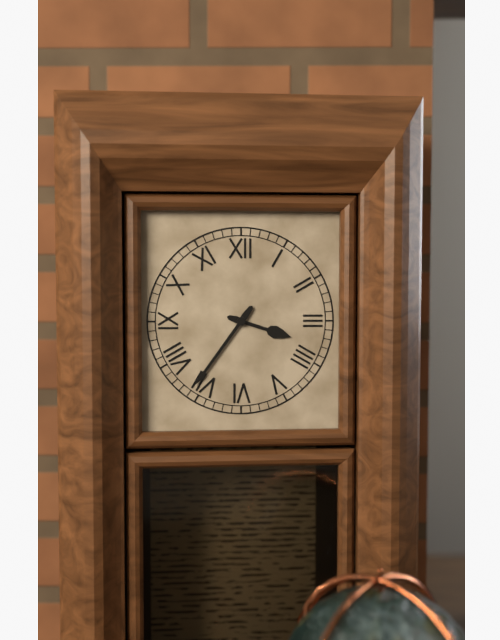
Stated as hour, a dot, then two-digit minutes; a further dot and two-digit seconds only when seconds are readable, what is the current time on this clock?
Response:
3.36
